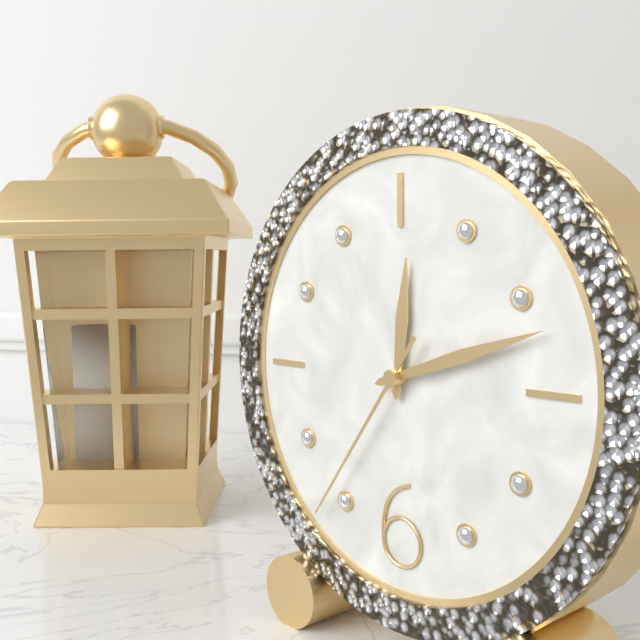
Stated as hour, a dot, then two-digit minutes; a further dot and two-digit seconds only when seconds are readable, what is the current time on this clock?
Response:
12.12.36
